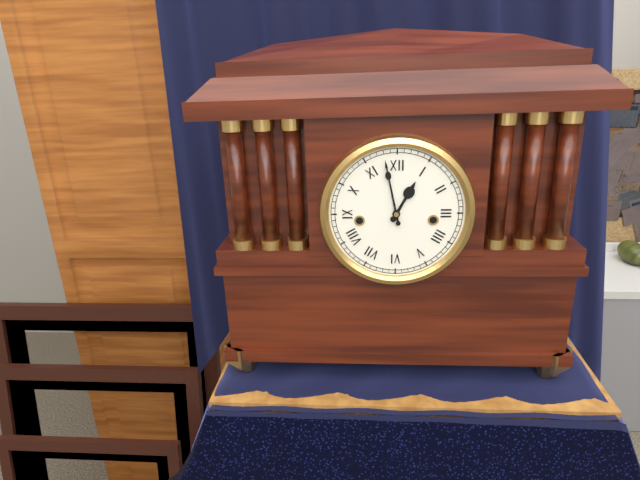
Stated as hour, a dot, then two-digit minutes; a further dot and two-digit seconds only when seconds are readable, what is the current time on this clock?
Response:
12.58
